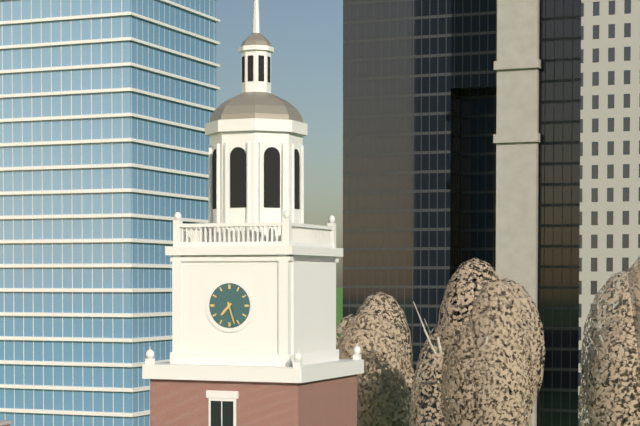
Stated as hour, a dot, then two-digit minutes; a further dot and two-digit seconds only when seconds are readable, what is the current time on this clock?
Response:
7.27
